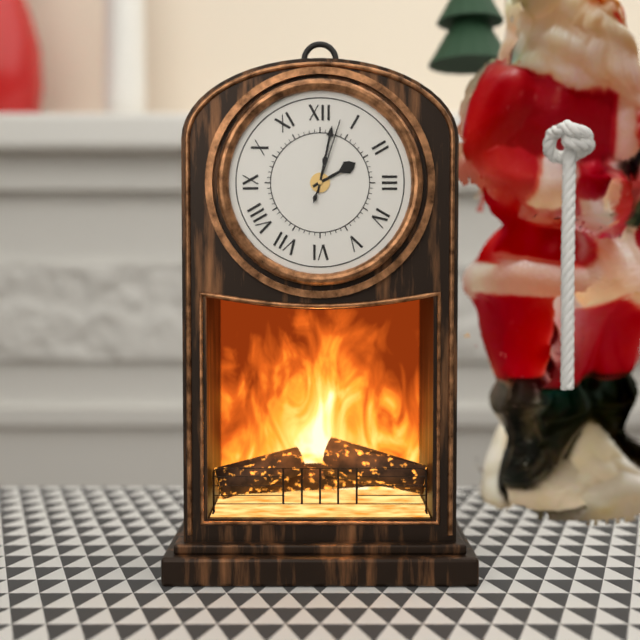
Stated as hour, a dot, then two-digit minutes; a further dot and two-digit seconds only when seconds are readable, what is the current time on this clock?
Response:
2.02.03
